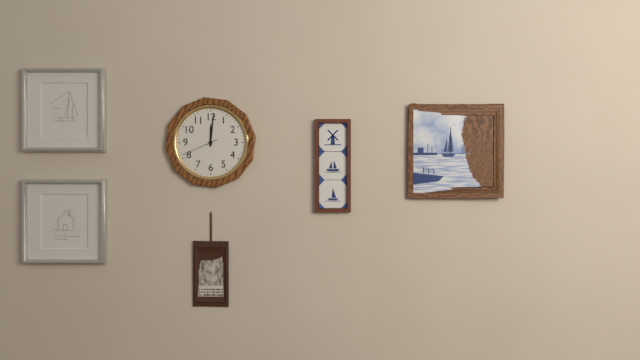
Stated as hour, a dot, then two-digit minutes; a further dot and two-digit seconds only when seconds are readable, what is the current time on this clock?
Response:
12.01
